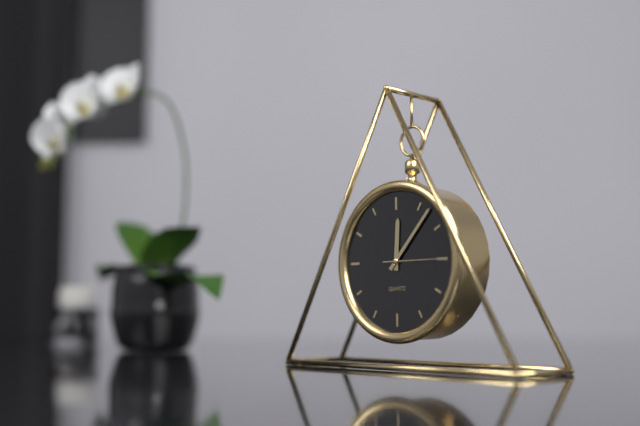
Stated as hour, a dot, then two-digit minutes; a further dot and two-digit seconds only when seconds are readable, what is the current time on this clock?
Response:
12.07.15
